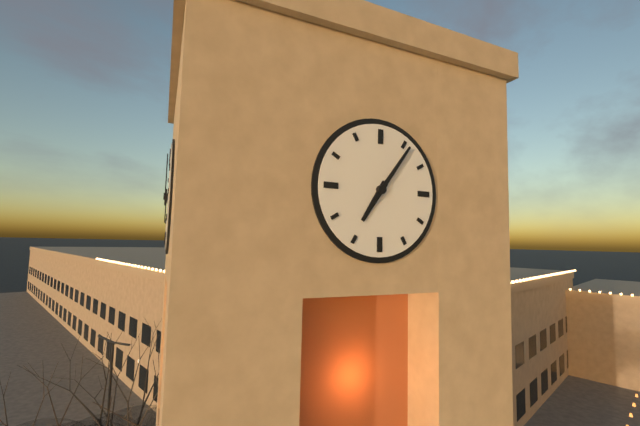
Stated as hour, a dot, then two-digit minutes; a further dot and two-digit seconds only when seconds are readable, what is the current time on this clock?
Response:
7.06
